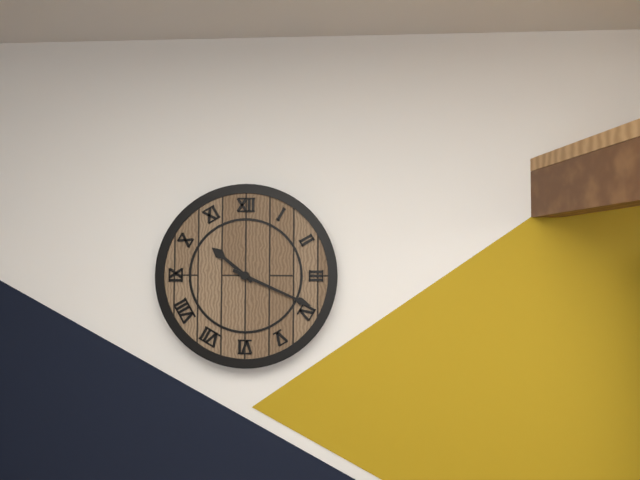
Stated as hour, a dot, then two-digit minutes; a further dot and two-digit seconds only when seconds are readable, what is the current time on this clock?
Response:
10.19
